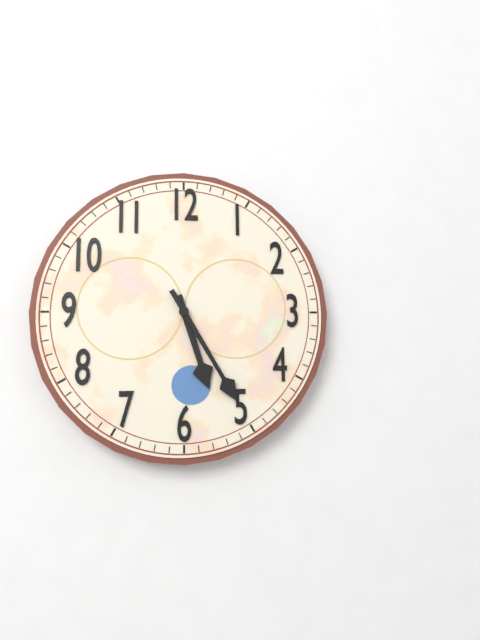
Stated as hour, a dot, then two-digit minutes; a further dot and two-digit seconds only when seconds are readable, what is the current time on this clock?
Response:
5.25
